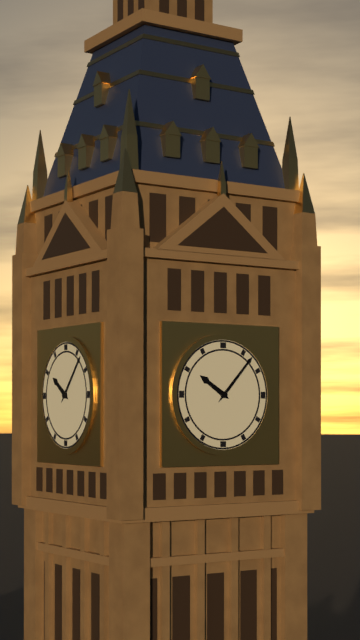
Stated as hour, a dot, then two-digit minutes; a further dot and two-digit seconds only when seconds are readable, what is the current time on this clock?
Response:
10.07
